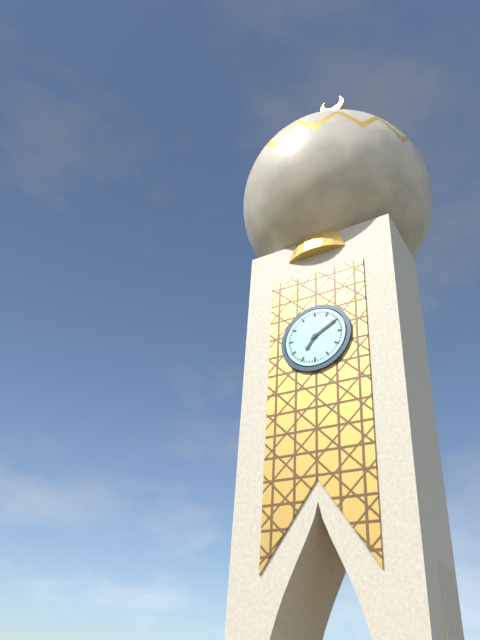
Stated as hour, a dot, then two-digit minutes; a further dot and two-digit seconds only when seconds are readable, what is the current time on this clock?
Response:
7.10
